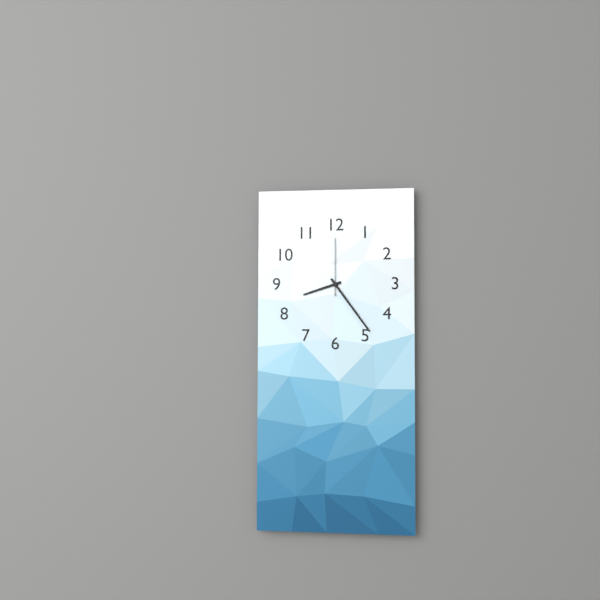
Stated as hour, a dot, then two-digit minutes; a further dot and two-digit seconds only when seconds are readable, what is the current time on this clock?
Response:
8.24.00
